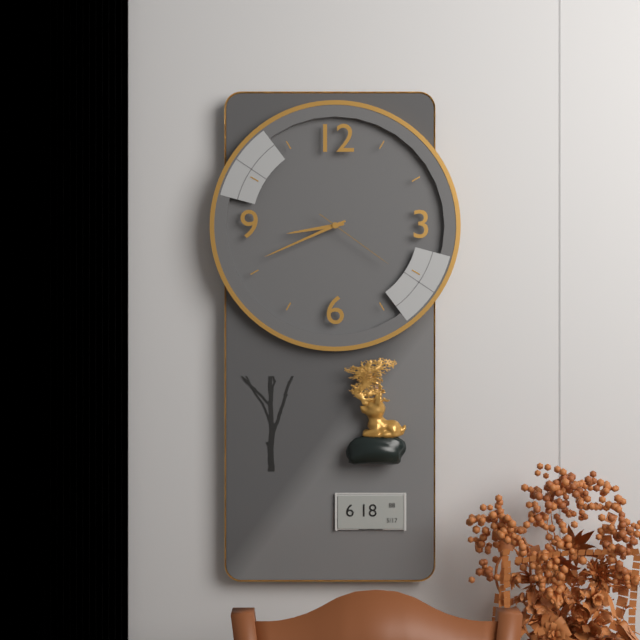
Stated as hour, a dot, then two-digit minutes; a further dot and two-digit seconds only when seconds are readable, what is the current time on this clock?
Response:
8.41.21
